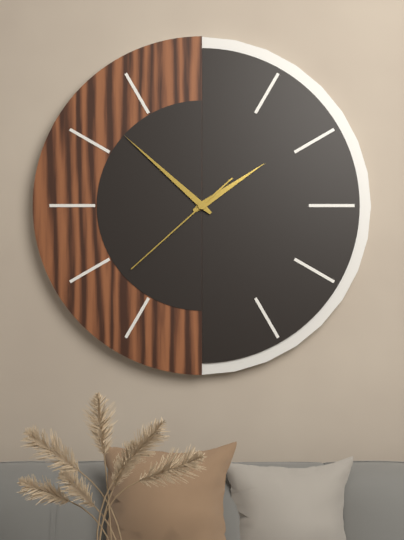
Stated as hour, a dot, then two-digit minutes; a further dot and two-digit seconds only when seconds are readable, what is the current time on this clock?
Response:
1.52.38
